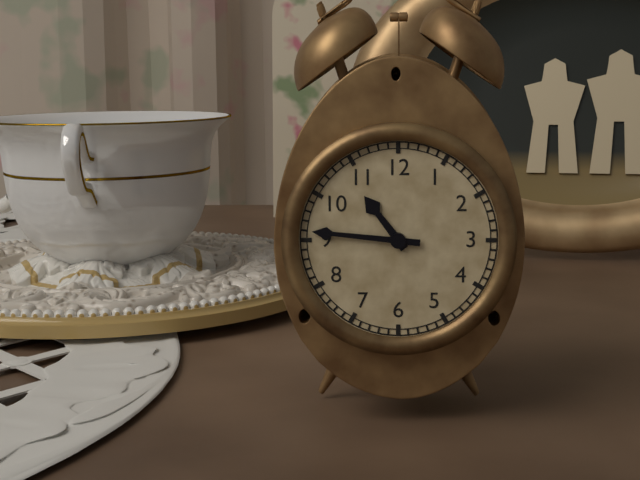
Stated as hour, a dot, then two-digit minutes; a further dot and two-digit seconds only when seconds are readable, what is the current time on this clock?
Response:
10.46
